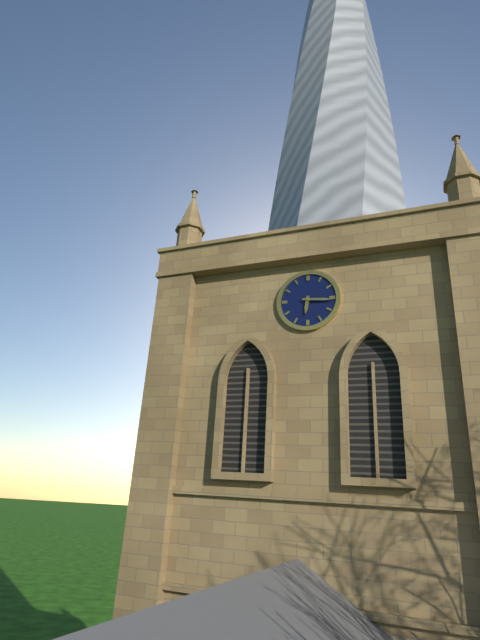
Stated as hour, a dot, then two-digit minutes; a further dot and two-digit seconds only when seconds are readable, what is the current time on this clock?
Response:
6.16
